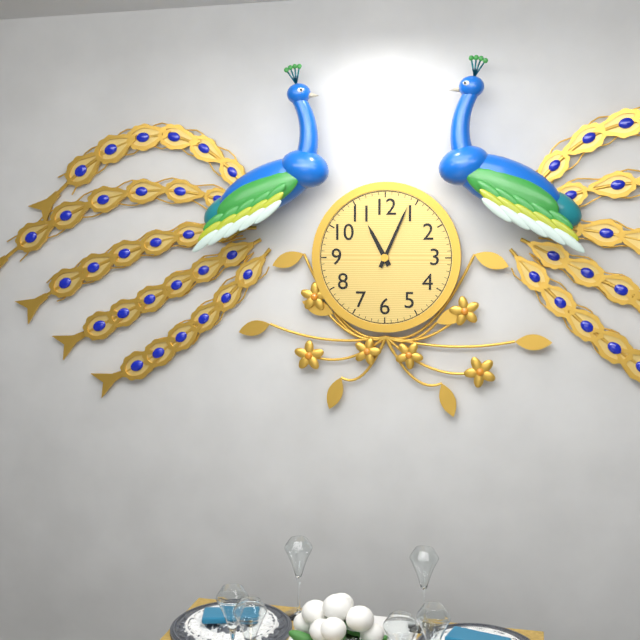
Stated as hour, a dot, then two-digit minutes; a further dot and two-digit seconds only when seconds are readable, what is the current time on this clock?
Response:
11.04
